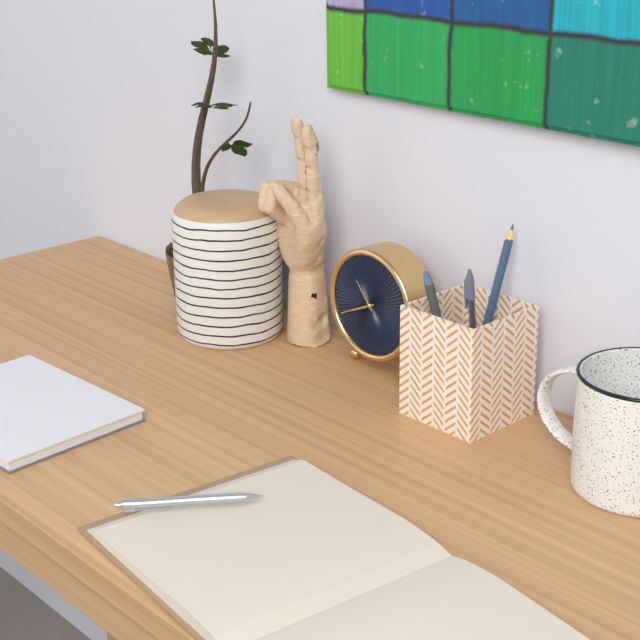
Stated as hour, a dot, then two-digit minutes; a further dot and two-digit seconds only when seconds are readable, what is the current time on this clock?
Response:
10.41
